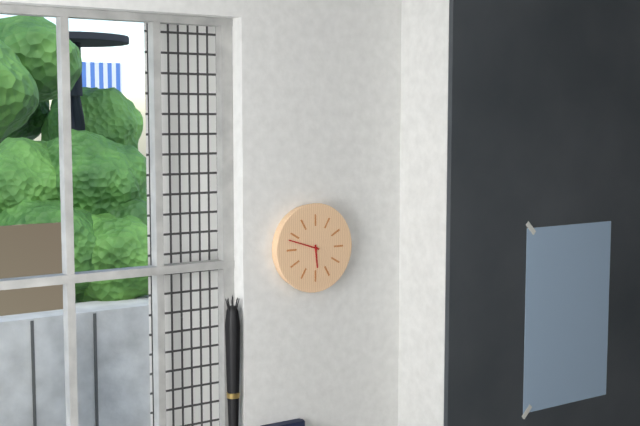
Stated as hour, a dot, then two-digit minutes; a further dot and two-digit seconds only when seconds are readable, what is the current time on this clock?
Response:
5.48
